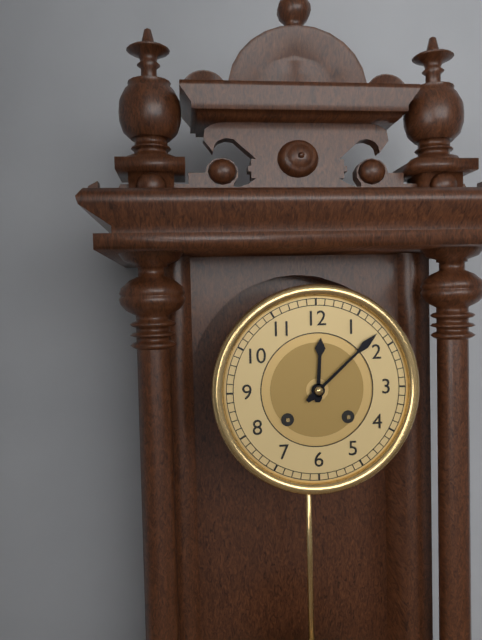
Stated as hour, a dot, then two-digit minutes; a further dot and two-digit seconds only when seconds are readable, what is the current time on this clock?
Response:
12.08
